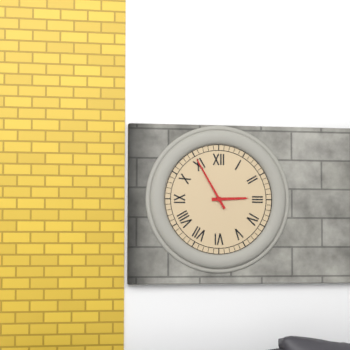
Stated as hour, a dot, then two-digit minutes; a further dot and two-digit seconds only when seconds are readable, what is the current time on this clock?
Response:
2.55
